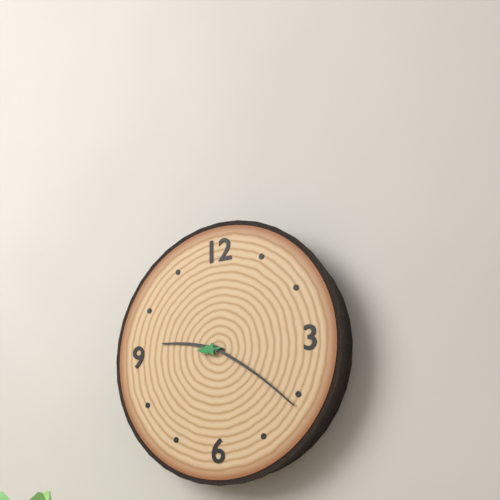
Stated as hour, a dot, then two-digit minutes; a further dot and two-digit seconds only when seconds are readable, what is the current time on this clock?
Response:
9.21
